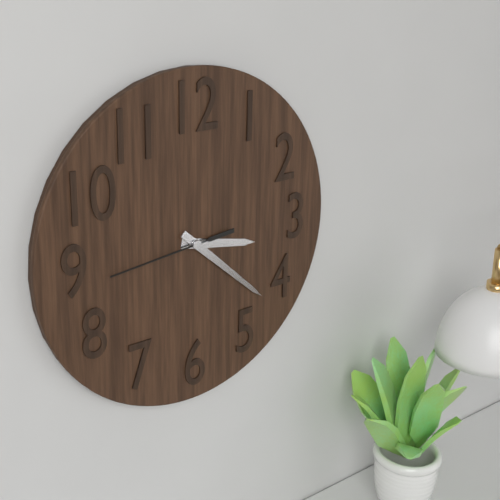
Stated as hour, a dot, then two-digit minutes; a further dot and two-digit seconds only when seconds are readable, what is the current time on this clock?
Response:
3.22.44
